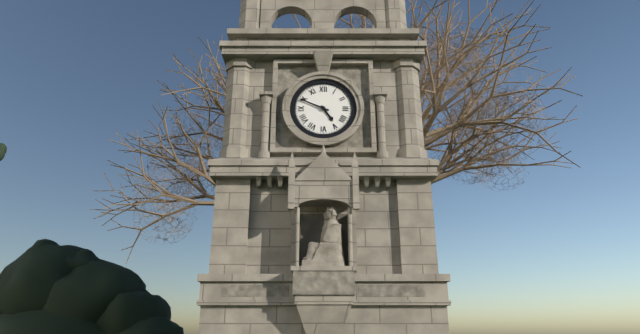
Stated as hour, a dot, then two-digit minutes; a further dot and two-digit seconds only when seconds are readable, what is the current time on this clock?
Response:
4.49
